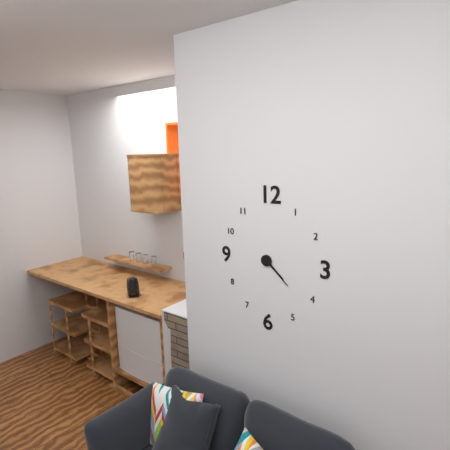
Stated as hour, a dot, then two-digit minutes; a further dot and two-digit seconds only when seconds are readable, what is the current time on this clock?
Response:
4.22
